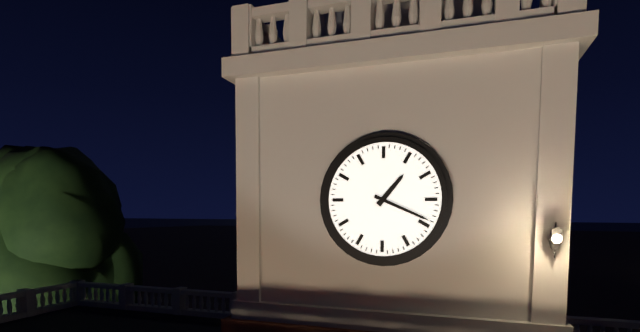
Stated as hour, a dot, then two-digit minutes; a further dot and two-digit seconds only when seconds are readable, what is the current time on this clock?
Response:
1.19
